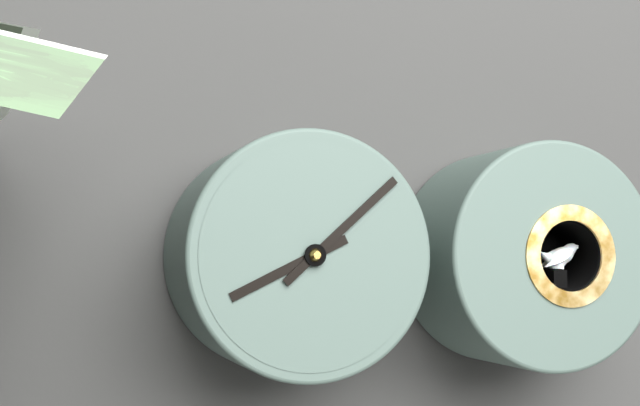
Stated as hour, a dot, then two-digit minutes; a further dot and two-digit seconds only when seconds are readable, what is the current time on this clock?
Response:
8.08
